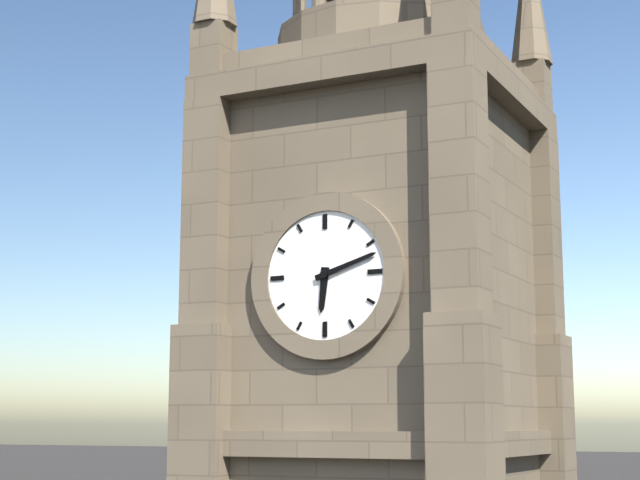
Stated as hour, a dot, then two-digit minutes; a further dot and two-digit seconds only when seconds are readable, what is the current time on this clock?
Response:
6.12
